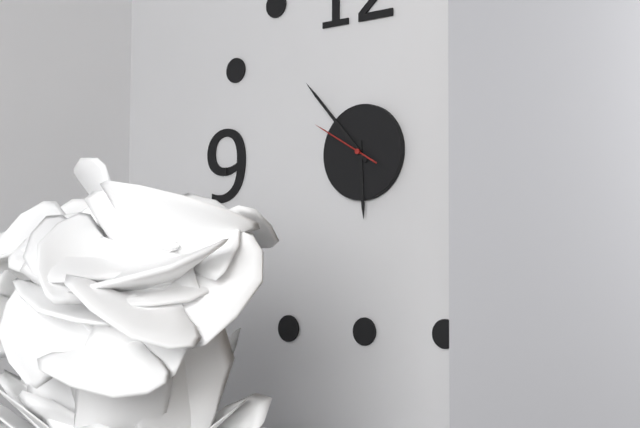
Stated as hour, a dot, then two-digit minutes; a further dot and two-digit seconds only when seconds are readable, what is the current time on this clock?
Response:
5.53.50
